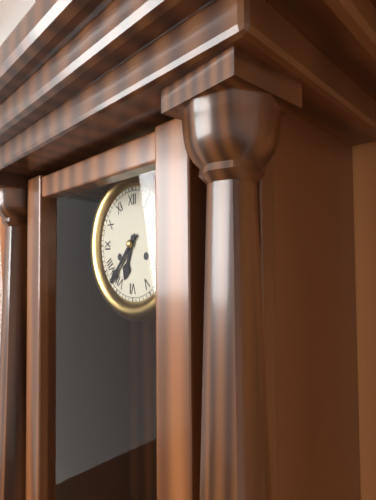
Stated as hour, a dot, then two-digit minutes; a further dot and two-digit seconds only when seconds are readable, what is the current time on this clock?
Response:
6.37
